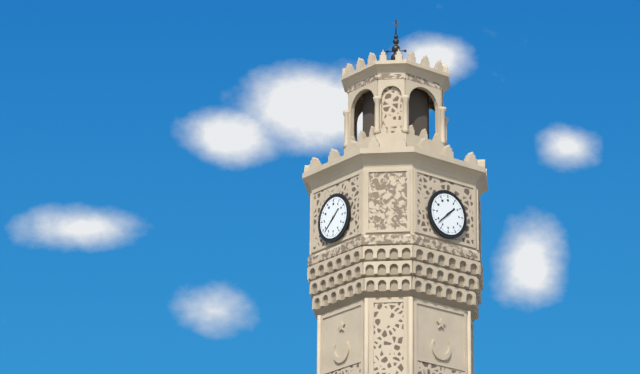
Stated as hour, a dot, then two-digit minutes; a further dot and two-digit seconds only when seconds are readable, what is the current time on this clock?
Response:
1.38
